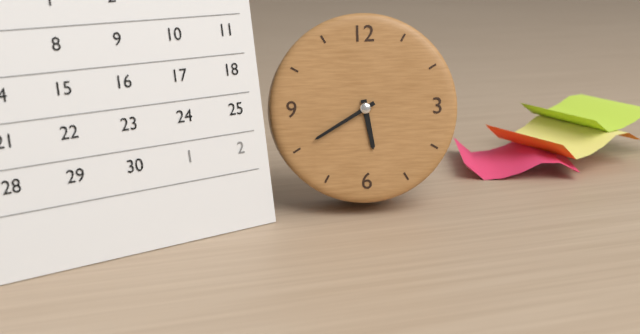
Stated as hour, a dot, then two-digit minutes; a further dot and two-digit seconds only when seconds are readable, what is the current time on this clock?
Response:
5.40
